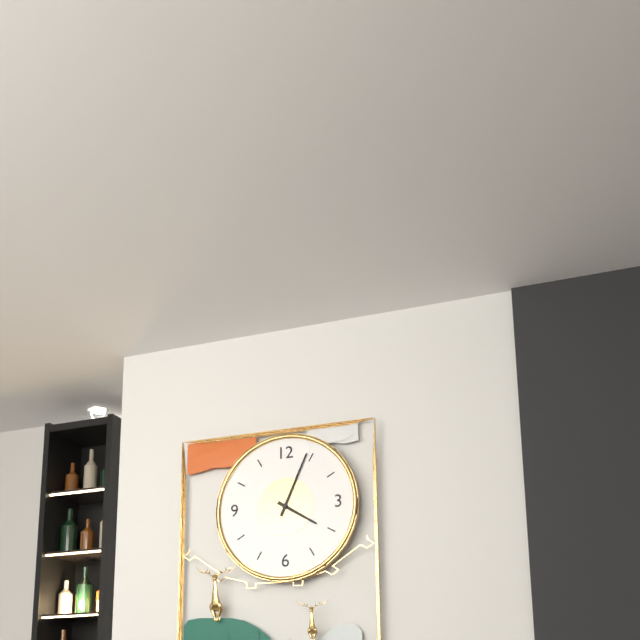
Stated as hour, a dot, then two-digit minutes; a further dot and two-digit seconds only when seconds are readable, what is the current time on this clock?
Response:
4.04
